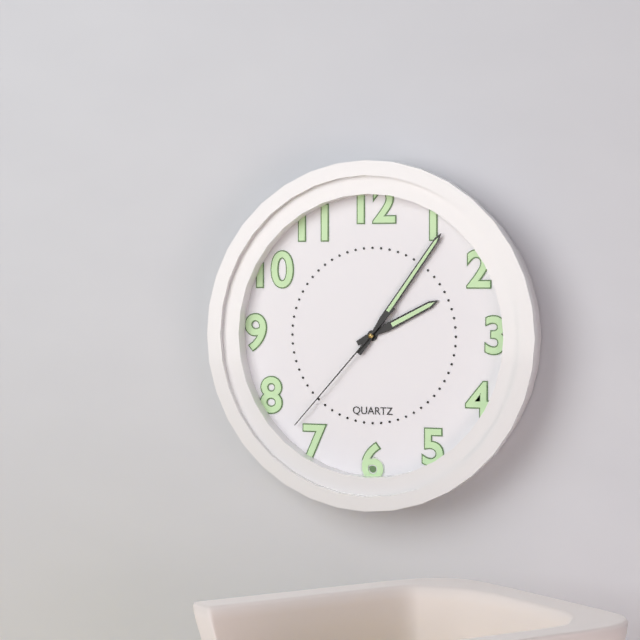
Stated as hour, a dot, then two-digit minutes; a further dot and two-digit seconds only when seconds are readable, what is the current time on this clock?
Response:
2.06.37
